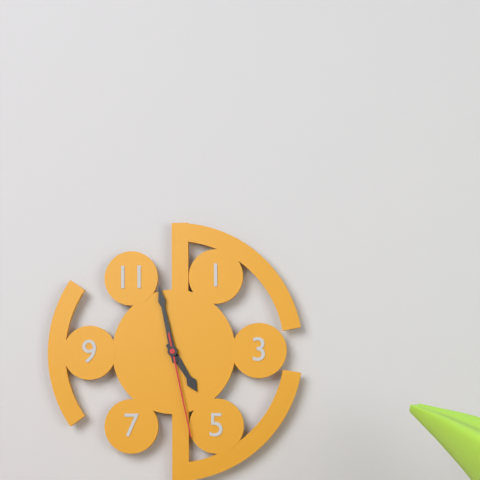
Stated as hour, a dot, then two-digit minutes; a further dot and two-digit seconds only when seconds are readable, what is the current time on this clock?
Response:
4.58.28
